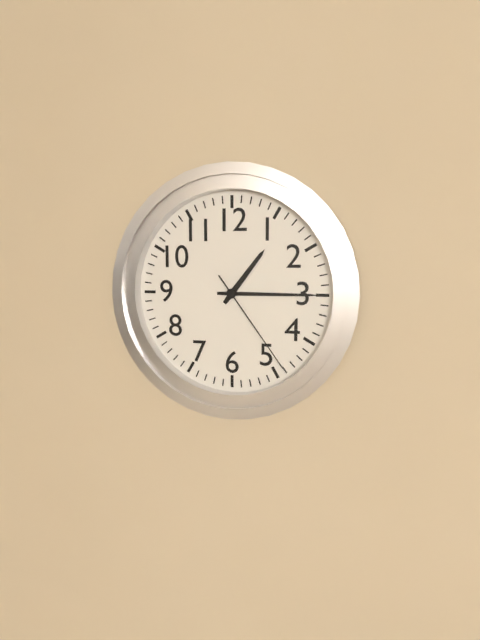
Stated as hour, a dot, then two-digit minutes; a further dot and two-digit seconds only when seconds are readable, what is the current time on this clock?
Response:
1.15.24
